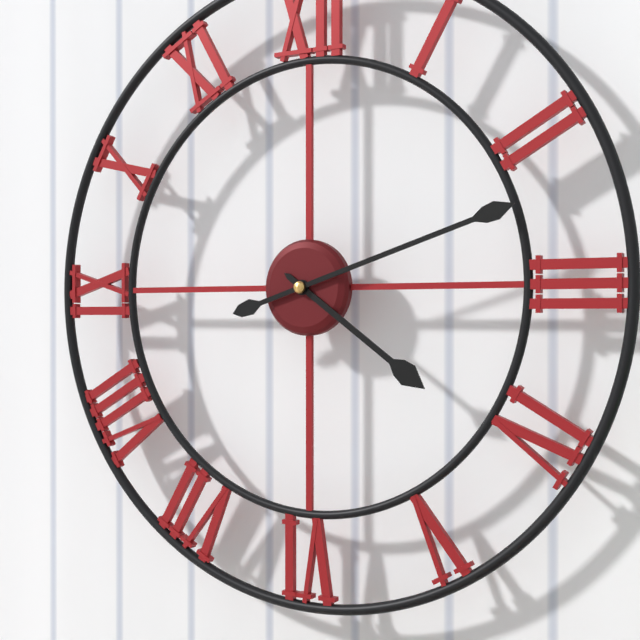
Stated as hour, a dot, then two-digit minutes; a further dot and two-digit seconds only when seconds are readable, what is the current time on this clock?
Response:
4.12
